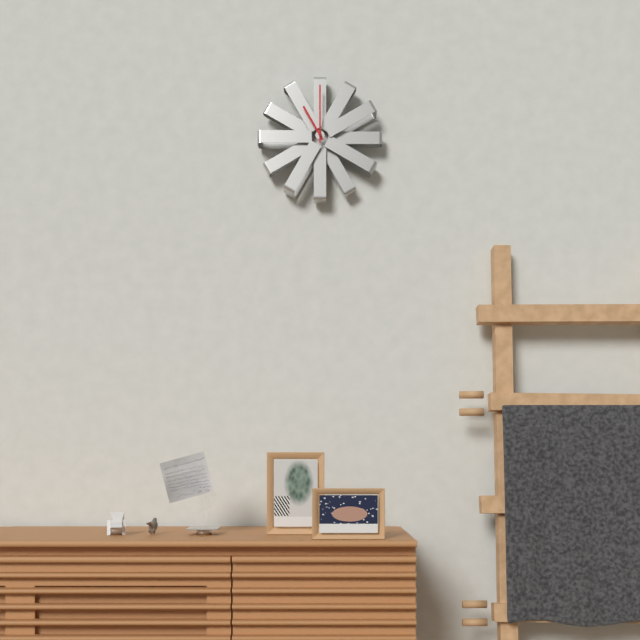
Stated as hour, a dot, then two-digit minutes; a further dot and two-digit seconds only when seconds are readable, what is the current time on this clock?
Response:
11.00
